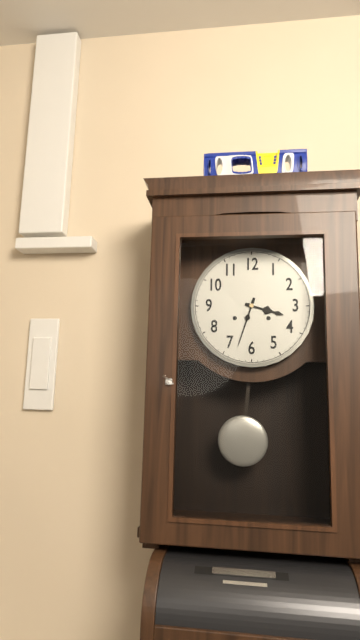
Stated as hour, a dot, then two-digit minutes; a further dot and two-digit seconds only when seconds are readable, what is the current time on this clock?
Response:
3.33
